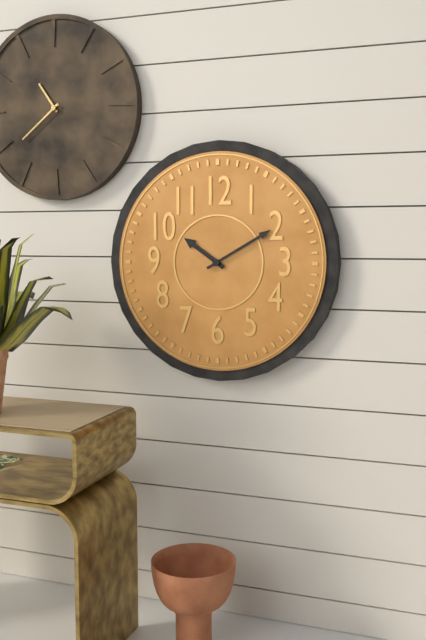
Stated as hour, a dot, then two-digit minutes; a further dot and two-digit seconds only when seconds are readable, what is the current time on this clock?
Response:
10.10
